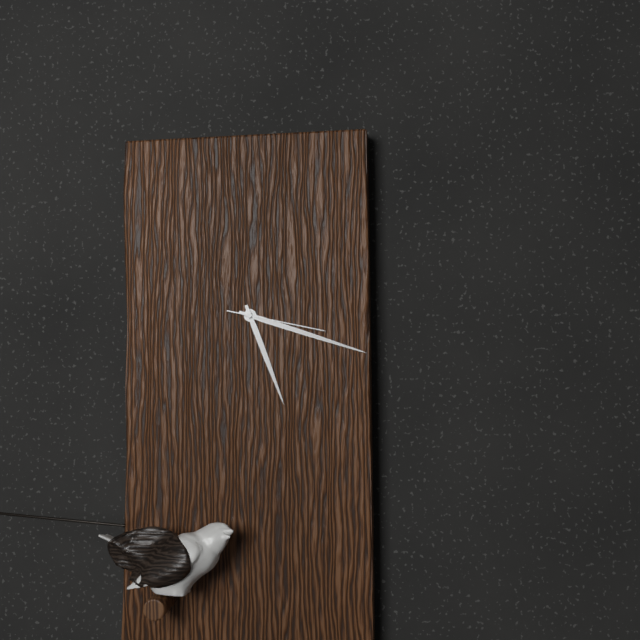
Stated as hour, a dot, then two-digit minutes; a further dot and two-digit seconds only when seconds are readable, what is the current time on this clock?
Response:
5.18.17
